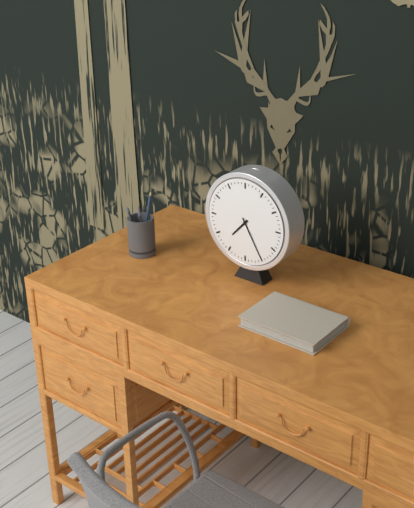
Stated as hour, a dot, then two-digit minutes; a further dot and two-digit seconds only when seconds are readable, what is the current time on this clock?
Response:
7.25
